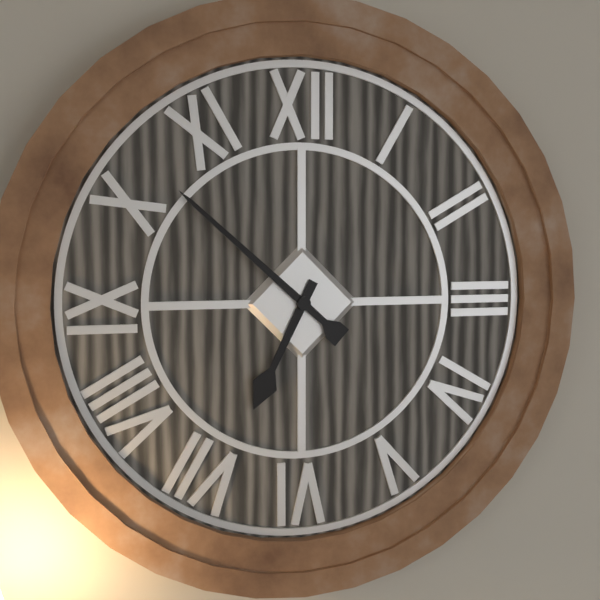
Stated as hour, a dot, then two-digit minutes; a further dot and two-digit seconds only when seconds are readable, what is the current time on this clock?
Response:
6.52
